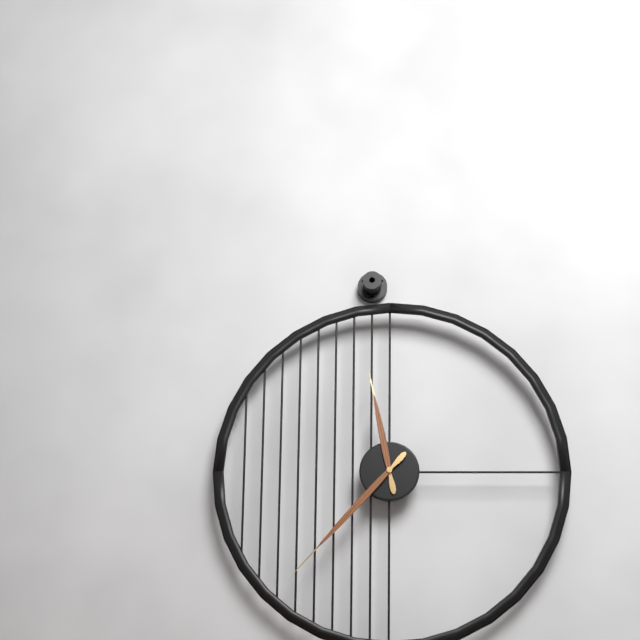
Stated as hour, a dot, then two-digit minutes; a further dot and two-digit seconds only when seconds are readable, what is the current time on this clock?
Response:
11.37
